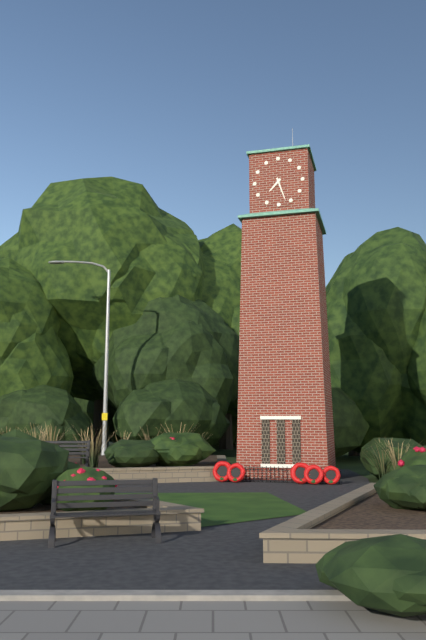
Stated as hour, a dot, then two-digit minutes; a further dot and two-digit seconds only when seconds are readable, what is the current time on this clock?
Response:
7.27
